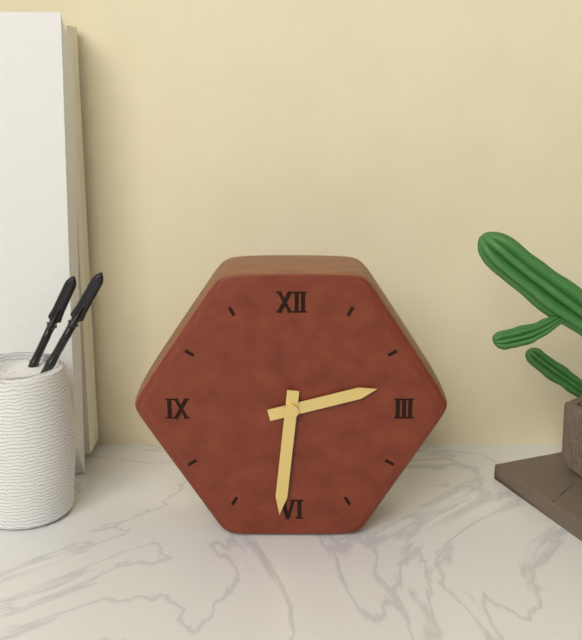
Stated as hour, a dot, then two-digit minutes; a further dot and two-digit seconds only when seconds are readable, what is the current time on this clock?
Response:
2.31
